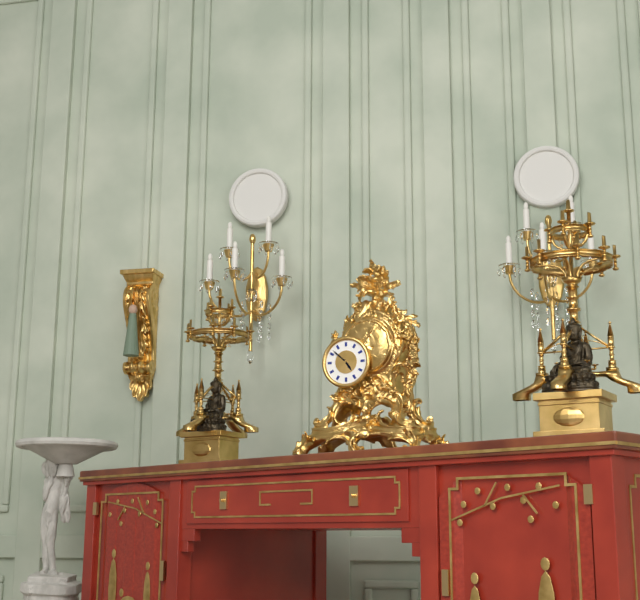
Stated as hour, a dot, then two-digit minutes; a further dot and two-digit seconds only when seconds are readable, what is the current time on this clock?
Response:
4.52
